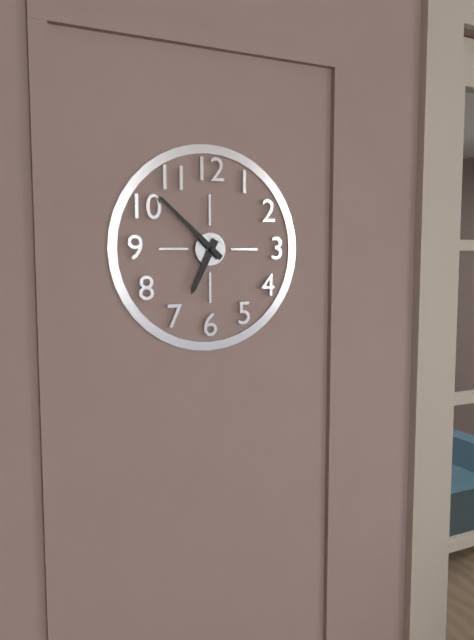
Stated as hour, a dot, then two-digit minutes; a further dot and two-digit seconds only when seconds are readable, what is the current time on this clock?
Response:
6.52
